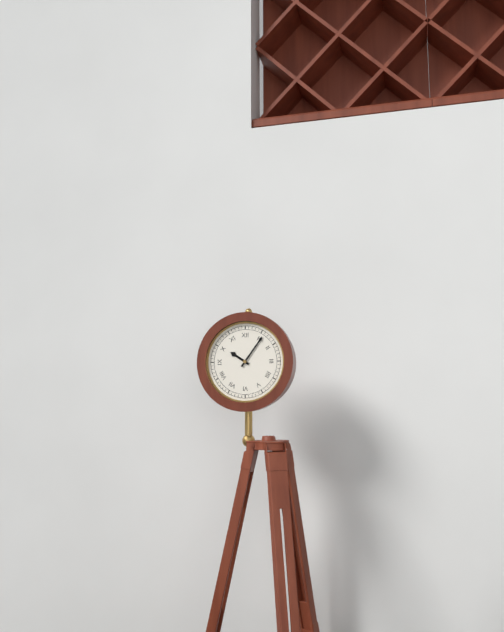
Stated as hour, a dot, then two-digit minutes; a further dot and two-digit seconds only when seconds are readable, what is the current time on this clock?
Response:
10.06
